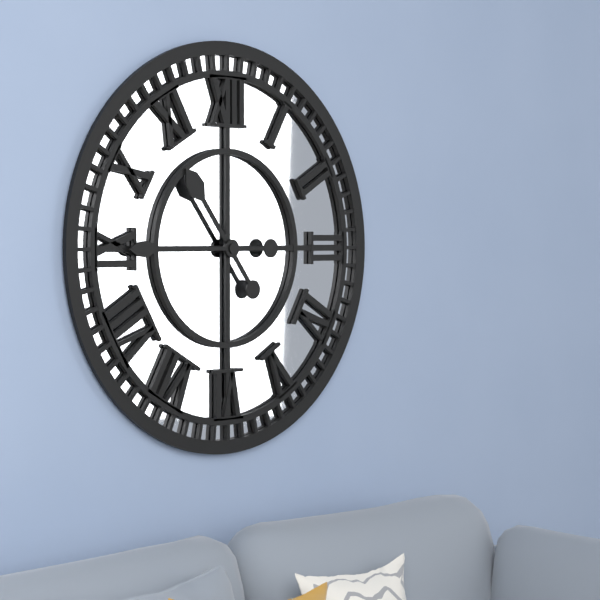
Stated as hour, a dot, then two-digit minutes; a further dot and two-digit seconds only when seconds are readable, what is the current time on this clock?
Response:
10.45
